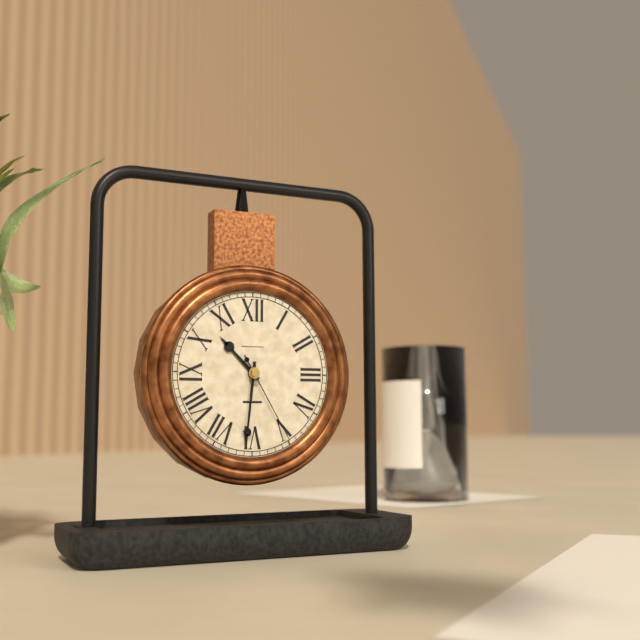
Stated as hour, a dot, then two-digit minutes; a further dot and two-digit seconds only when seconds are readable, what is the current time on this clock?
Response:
10.31.25
